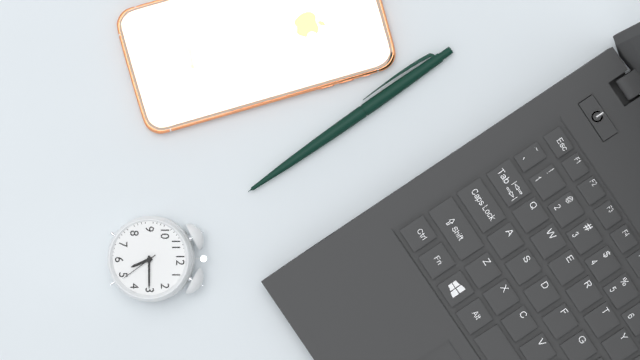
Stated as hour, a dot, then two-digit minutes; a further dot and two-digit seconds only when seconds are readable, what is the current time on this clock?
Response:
5.15
